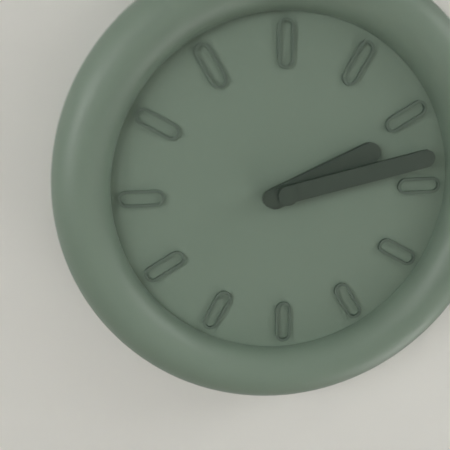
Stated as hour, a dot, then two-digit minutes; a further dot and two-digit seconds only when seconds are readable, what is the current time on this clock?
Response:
2.13
